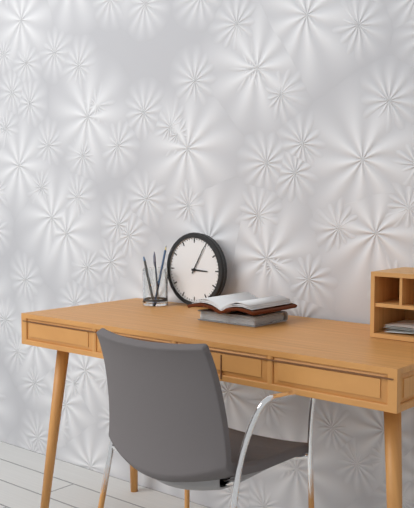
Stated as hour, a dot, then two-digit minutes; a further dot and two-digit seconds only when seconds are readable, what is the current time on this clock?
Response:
3.05
